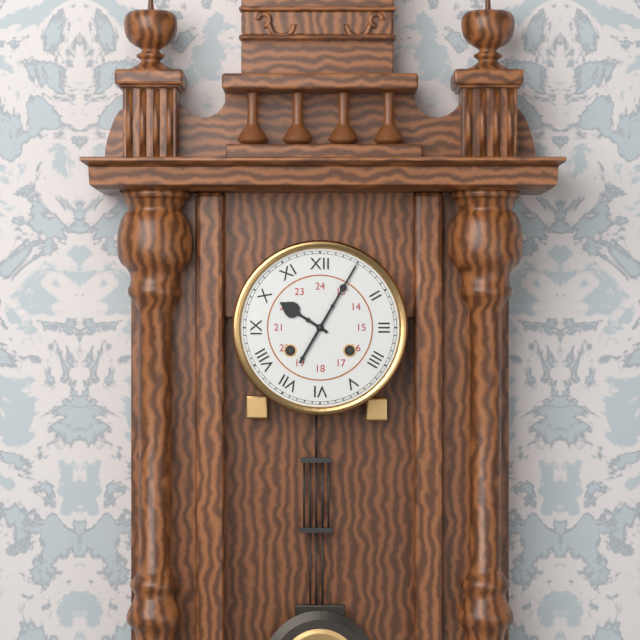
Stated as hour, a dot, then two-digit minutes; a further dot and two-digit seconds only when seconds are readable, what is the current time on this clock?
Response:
10.05
